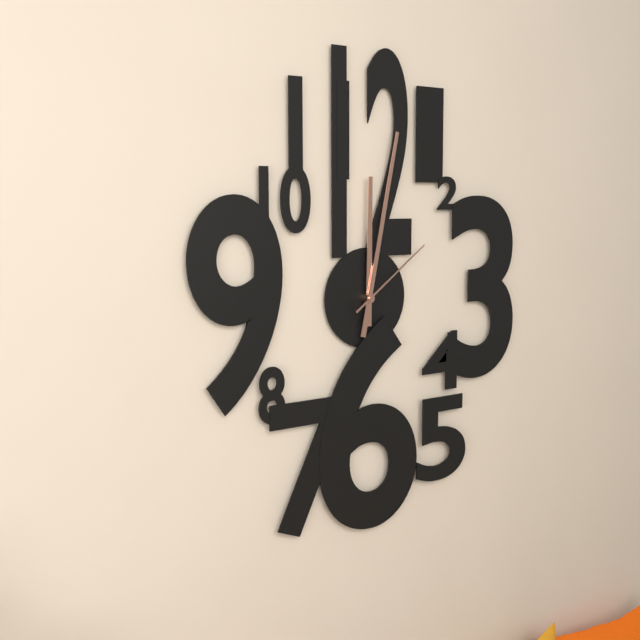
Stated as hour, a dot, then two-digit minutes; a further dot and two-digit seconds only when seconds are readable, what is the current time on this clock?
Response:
12.02.09
